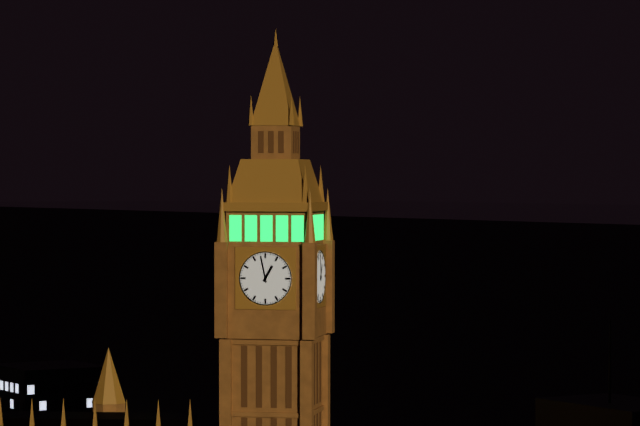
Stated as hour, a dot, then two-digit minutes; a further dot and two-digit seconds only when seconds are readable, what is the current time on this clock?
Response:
12.58
